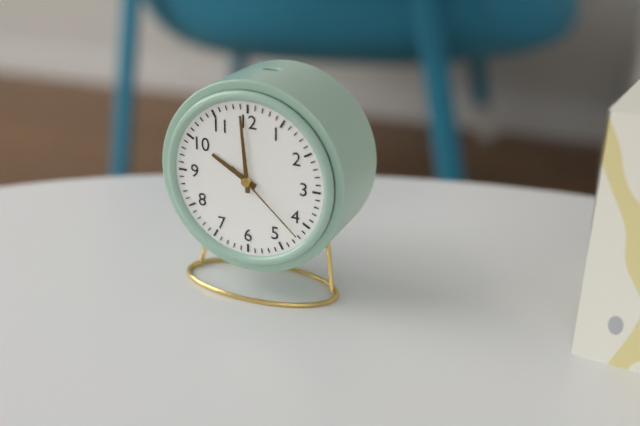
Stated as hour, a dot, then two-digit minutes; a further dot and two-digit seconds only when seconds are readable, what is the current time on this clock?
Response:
9.59.22
